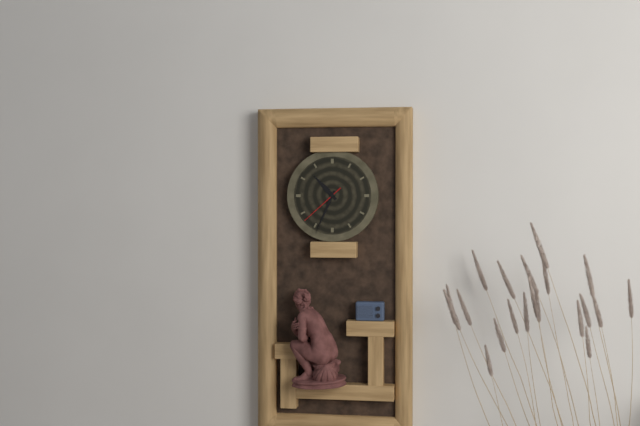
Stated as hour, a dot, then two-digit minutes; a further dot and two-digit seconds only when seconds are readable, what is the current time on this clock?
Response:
10.34
